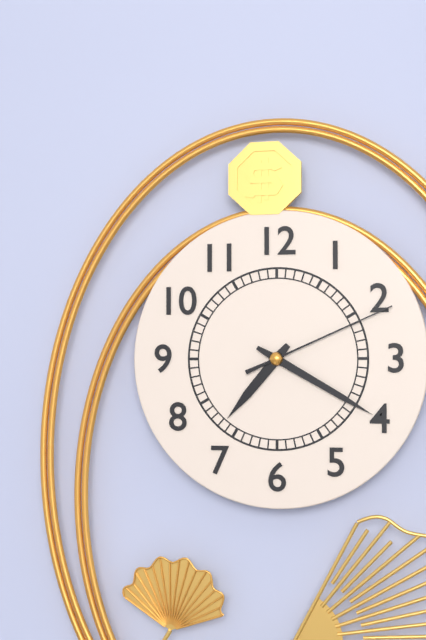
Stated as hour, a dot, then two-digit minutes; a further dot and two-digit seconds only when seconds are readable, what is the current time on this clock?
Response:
7.20.11
